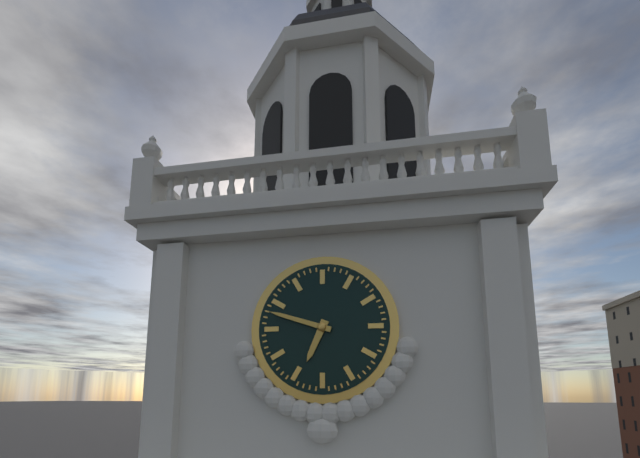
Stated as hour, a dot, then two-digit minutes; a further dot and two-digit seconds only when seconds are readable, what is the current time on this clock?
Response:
6.48
